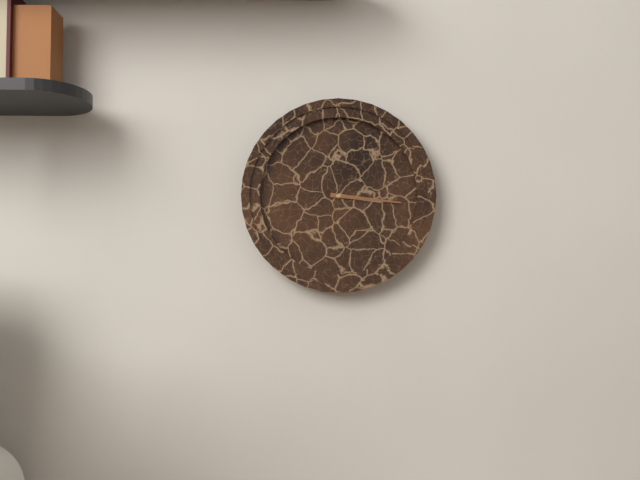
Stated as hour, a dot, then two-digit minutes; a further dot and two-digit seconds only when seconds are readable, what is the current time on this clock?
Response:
3.16
